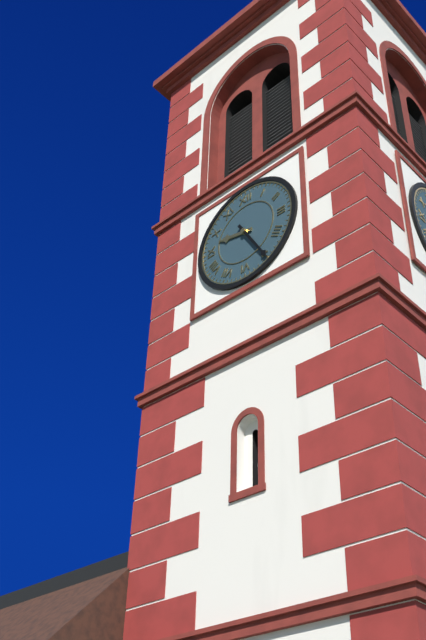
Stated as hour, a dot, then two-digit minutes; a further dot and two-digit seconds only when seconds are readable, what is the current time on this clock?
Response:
9.25
